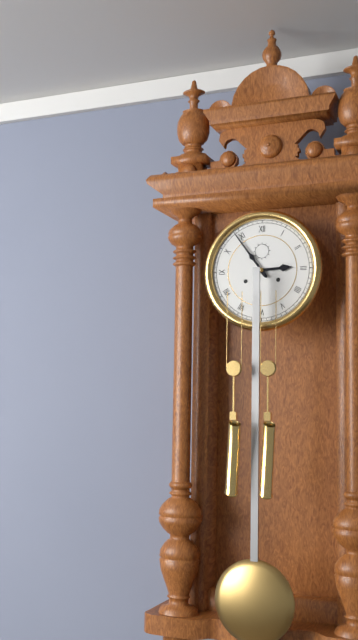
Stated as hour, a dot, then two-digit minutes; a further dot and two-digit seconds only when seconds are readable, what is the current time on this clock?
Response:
2.54
